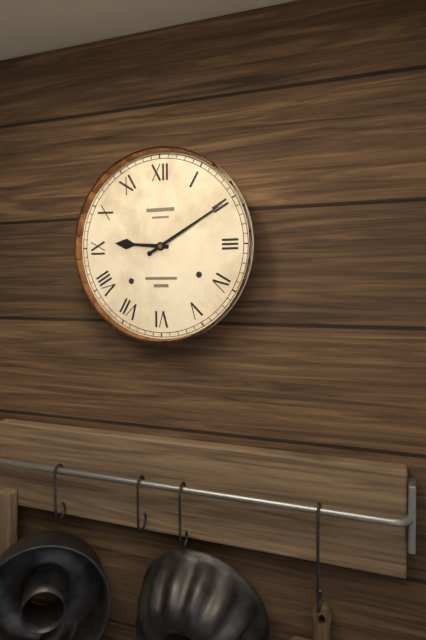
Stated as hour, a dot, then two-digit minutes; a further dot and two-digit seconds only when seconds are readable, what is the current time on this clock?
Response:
9.10
